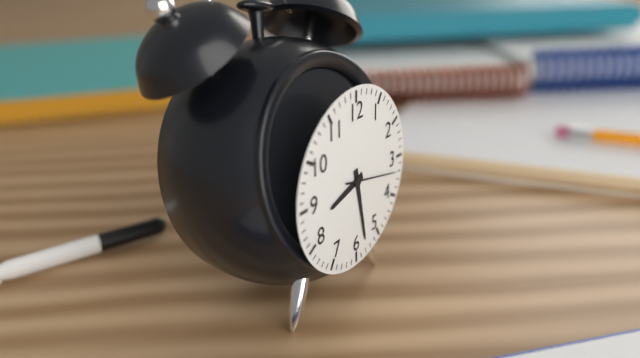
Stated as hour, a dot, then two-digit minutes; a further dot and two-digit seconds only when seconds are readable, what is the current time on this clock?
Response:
8.28.17
